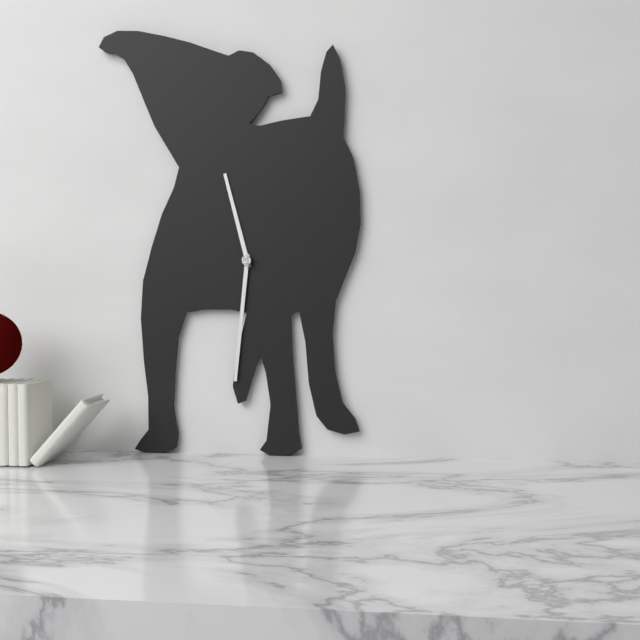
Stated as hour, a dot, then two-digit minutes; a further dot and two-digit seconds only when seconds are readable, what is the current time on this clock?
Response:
11.31
